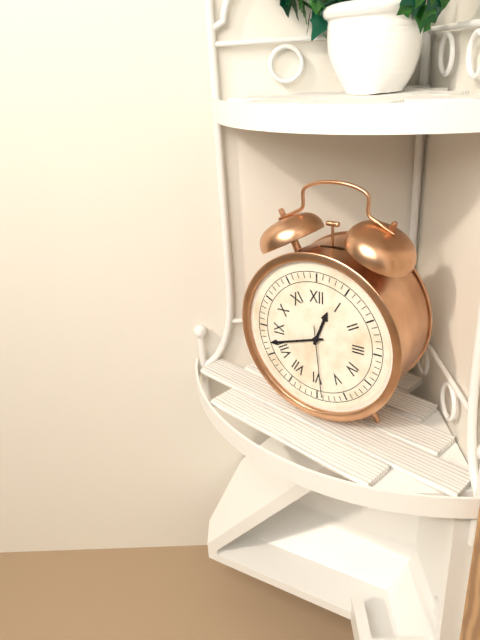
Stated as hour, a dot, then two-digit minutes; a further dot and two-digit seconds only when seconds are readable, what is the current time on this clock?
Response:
12.42.29
